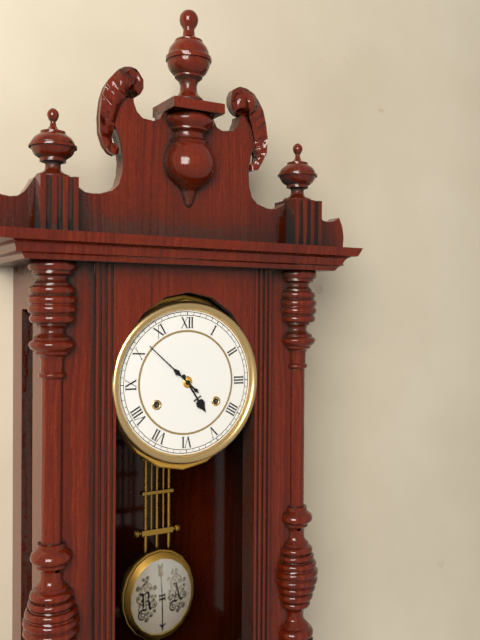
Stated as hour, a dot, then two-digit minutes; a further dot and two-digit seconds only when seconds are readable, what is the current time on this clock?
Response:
4.52
